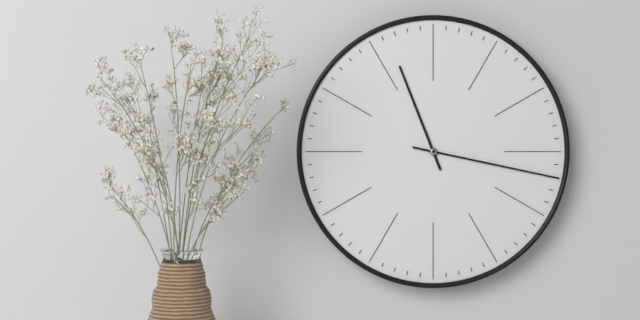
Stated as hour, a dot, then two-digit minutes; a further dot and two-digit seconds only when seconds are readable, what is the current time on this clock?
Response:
11.17
